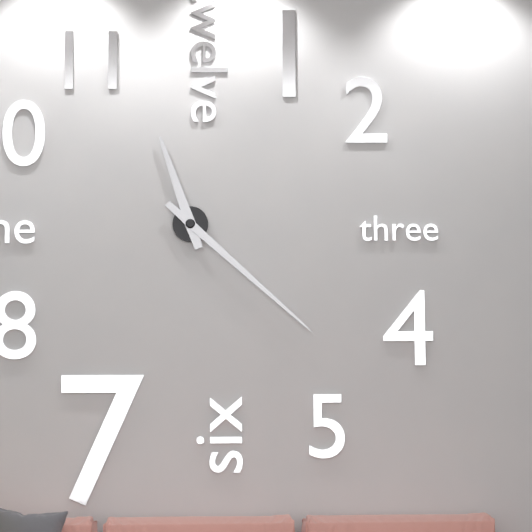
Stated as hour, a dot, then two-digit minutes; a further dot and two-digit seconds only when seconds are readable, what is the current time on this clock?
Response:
11.22
